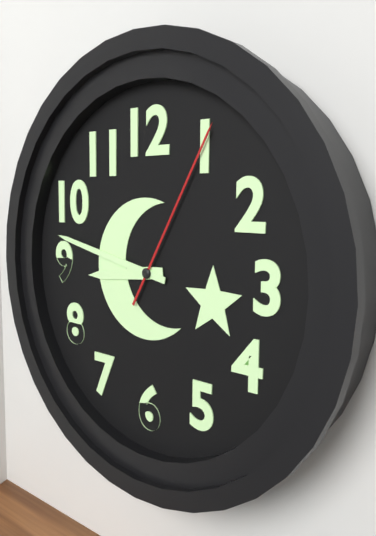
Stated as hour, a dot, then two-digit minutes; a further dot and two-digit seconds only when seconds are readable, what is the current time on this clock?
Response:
8.47.05
